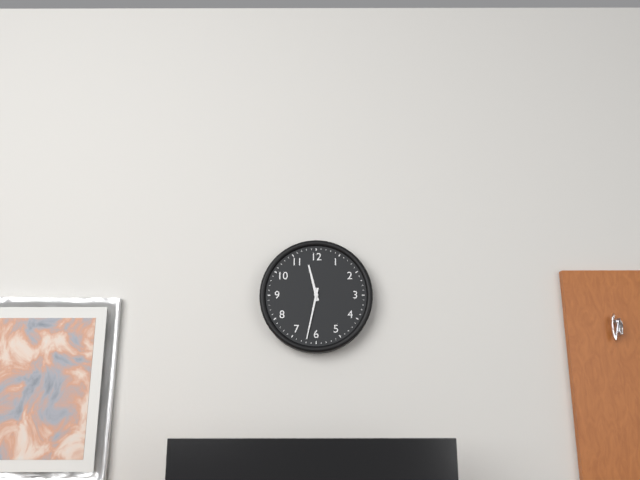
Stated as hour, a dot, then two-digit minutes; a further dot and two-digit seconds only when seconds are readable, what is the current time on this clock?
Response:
11.32
